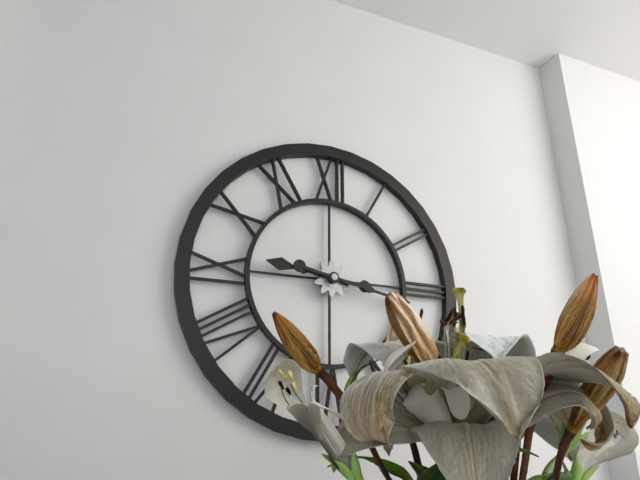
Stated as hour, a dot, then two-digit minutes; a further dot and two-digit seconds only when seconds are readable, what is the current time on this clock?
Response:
9.17
